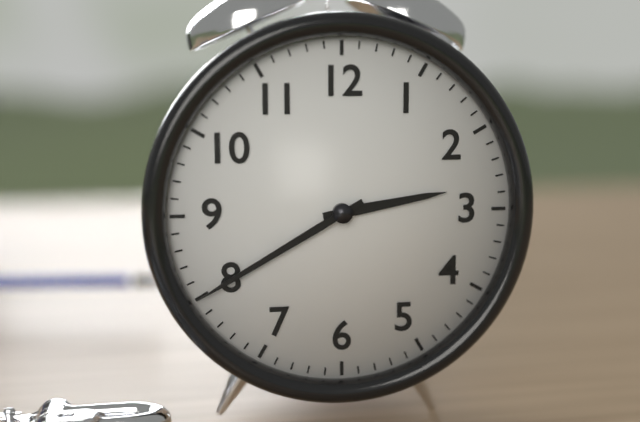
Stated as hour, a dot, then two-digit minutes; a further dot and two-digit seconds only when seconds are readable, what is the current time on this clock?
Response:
2.40
